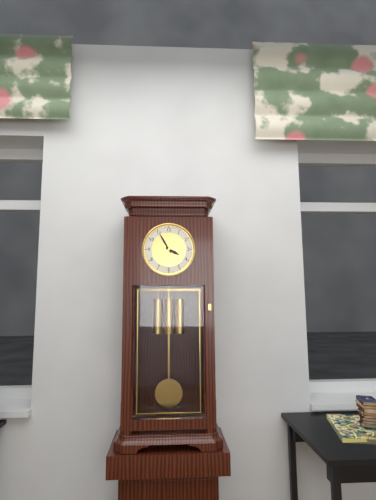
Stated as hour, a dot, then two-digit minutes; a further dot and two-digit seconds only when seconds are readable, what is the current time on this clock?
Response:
3.55
